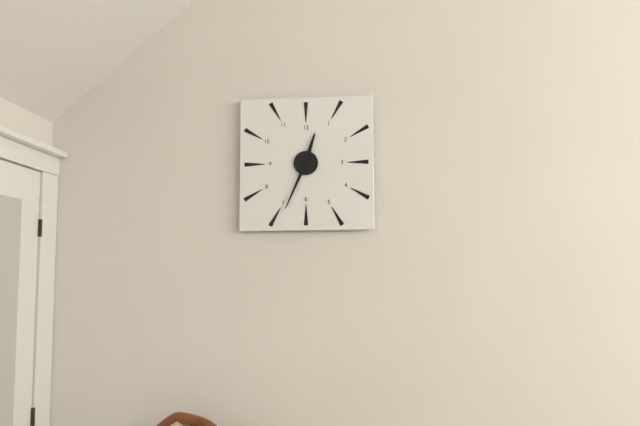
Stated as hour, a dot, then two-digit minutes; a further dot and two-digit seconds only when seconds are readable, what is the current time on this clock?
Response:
12.34
